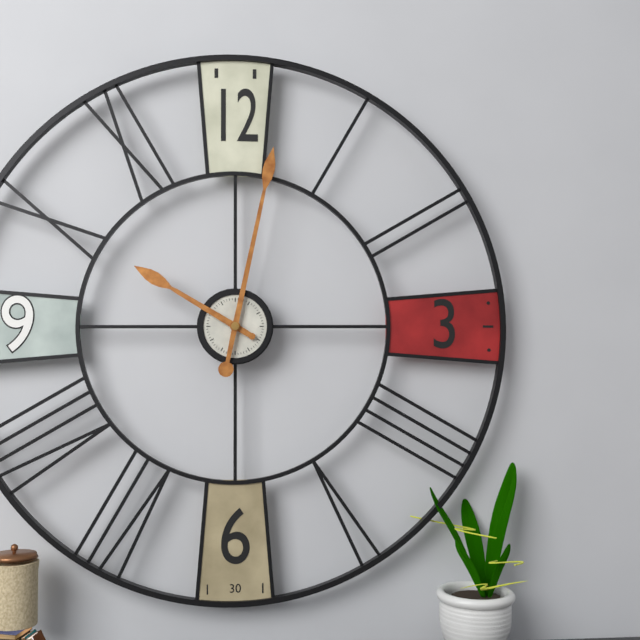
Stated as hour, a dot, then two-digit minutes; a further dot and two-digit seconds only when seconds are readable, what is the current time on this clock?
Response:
10.02
